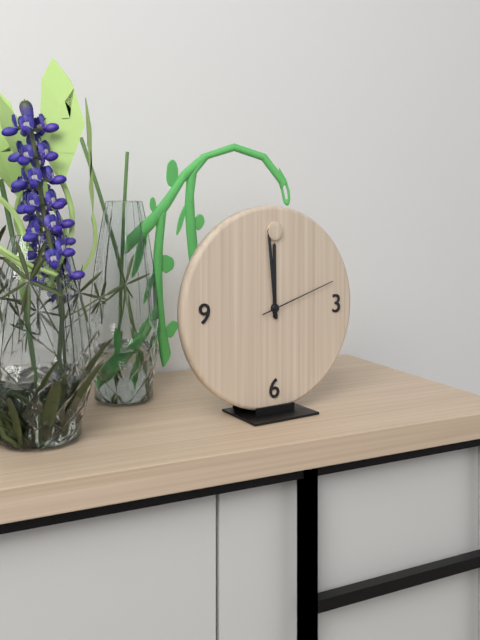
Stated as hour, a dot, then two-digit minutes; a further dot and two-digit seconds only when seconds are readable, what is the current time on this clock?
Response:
11.59.12
